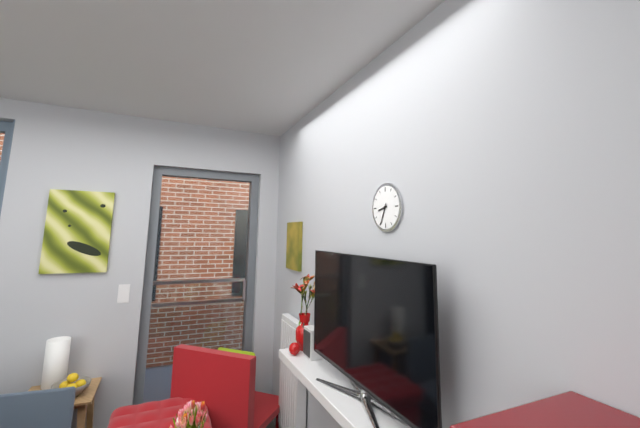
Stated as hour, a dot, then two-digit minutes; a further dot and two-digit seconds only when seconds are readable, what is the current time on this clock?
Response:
8.34
